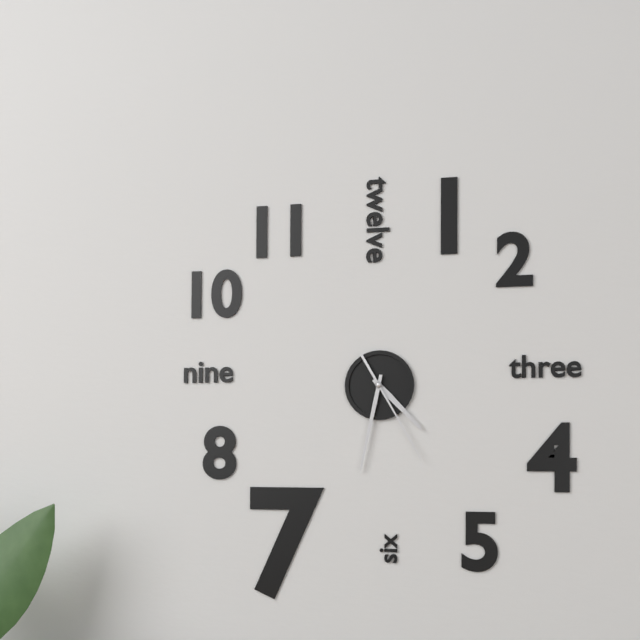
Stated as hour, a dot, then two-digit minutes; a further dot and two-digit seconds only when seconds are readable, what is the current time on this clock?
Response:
4.32.25
